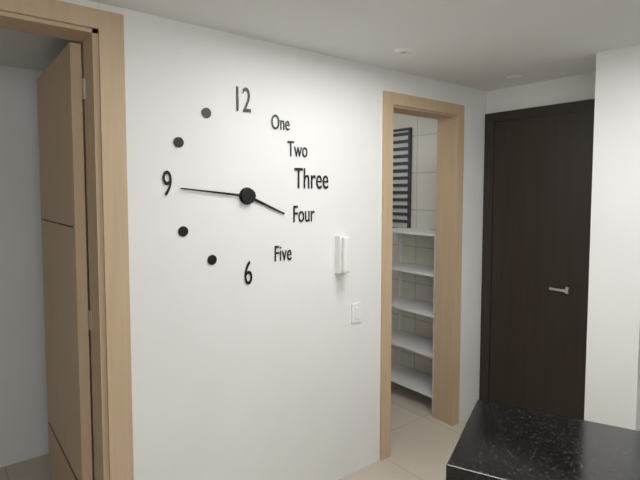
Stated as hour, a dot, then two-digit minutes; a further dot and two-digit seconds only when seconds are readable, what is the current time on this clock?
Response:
3.46
